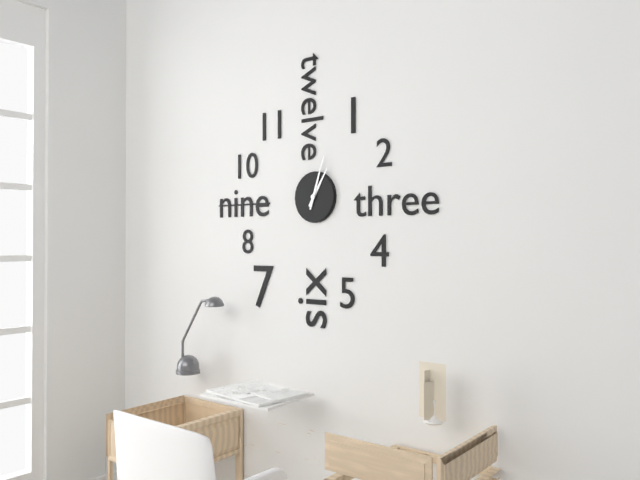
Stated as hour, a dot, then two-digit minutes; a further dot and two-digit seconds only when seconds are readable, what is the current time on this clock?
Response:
1.03
